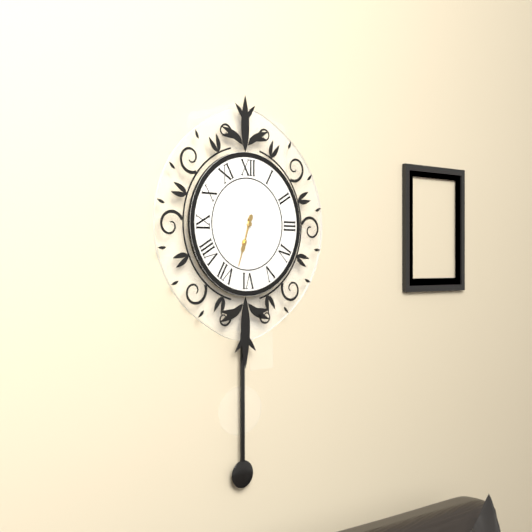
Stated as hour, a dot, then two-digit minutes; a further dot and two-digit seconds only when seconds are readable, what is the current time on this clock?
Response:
6.33
